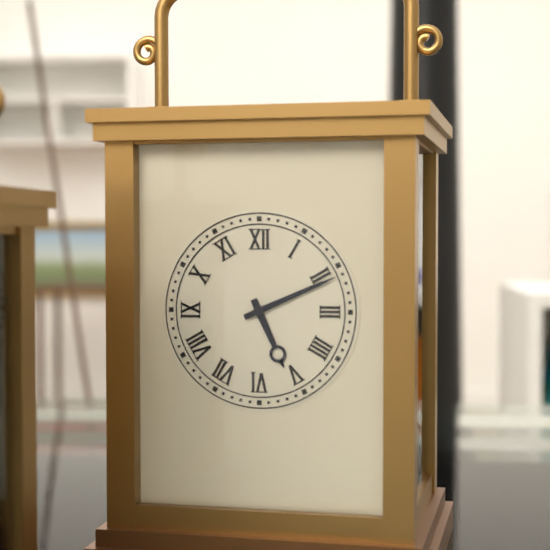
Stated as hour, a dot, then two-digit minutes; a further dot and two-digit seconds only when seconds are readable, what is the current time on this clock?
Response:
5.11
